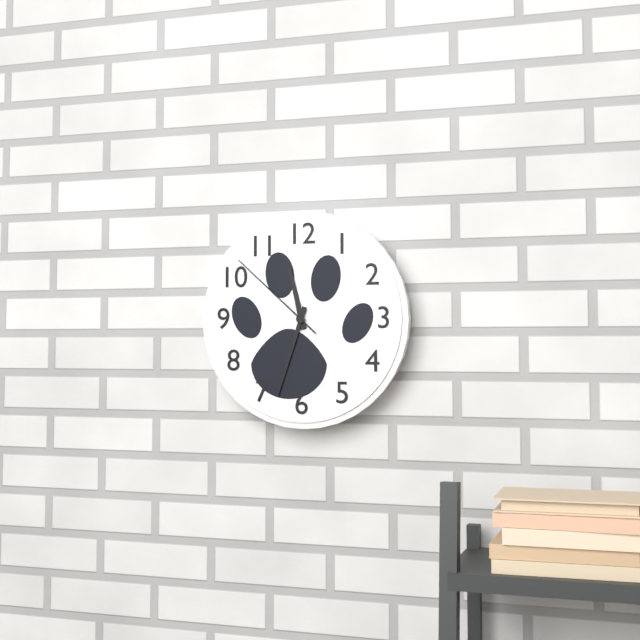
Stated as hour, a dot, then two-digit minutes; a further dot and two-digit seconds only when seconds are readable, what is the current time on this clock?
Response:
11.33.52
